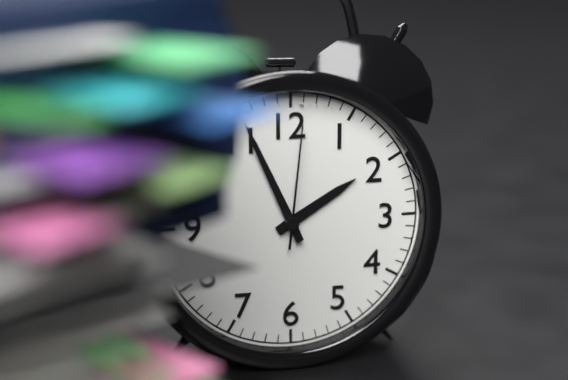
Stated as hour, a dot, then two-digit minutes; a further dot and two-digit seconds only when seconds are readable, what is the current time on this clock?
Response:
1.56.01
